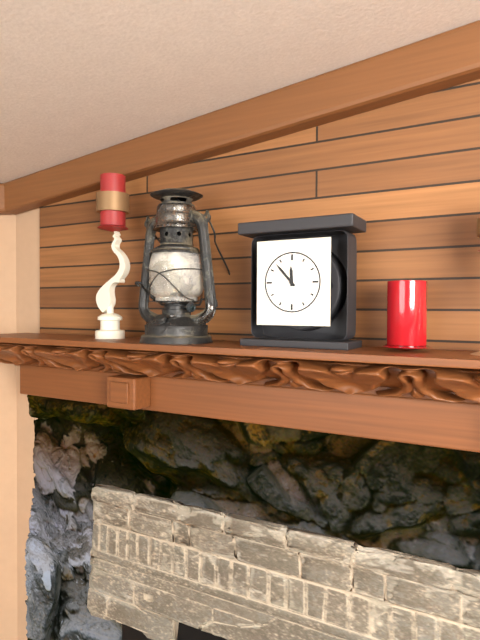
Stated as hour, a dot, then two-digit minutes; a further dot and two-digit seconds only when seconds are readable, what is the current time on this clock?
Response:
11.53
